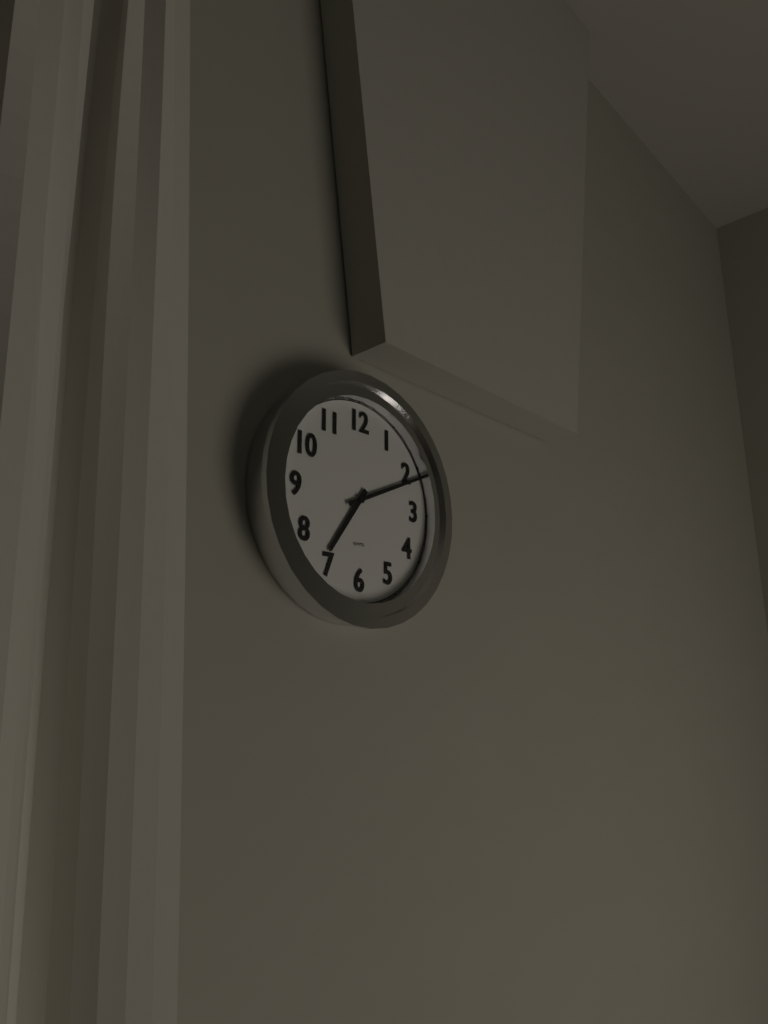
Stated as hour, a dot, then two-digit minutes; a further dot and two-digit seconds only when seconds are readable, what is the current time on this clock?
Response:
7.11
